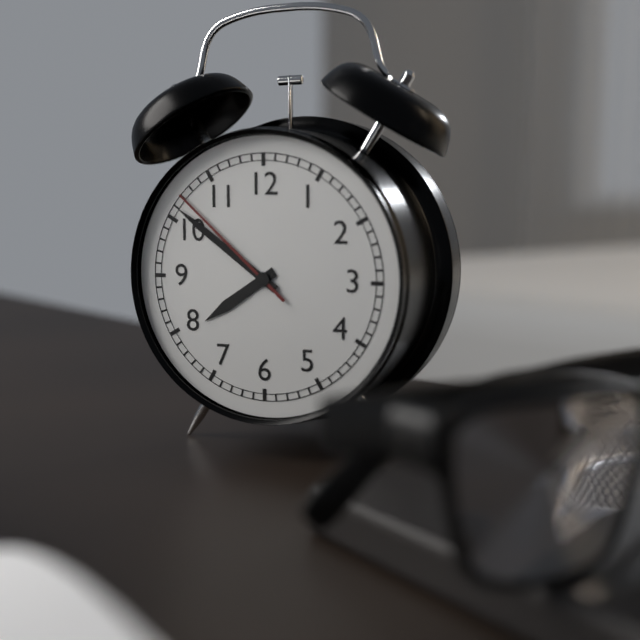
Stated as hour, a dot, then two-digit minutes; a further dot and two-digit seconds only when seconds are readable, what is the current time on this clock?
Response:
7.51.52
